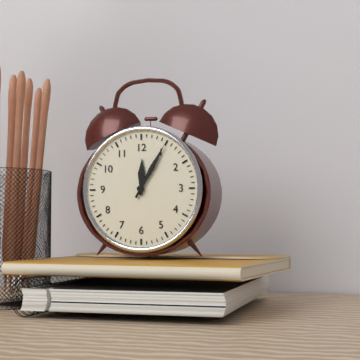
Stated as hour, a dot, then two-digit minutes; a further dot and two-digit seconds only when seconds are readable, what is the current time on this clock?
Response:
12.05
